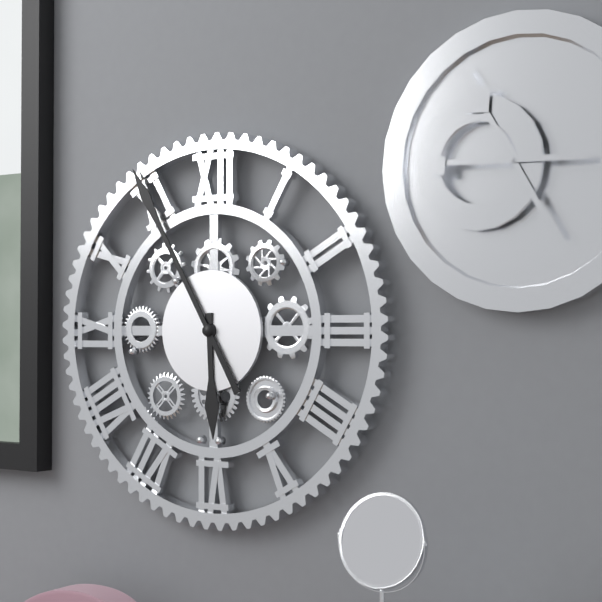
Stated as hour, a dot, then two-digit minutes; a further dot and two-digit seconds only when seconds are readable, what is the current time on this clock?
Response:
5.55
